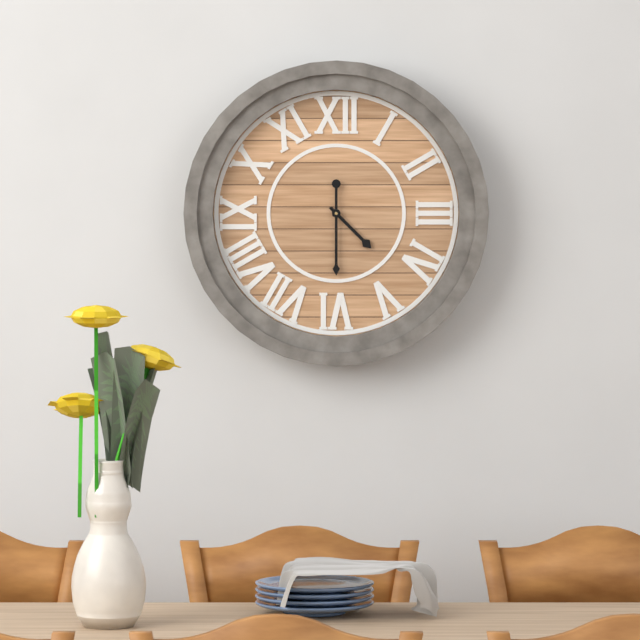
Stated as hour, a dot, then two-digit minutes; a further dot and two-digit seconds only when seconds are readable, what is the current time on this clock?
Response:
4.30
